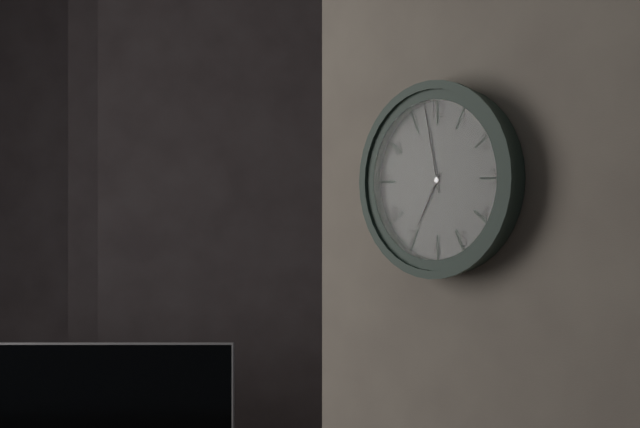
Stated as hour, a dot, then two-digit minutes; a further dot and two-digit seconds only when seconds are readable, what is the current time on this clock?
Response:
6.58
